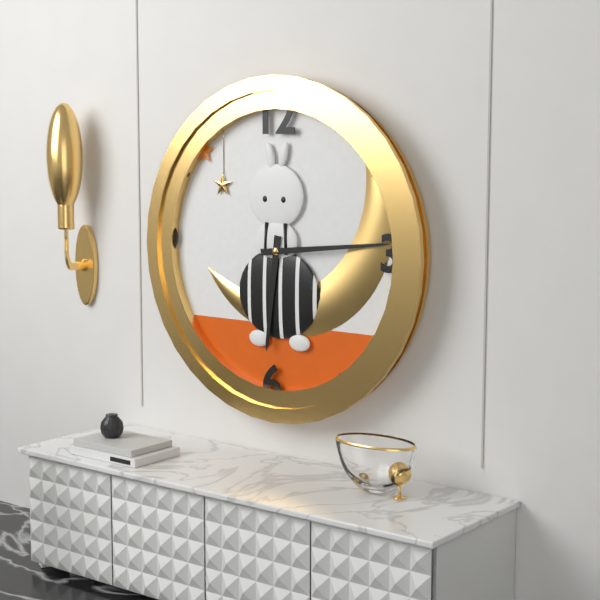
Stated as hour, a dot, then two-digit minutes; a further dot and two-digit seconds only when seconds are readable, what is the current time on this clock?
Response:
6.14
